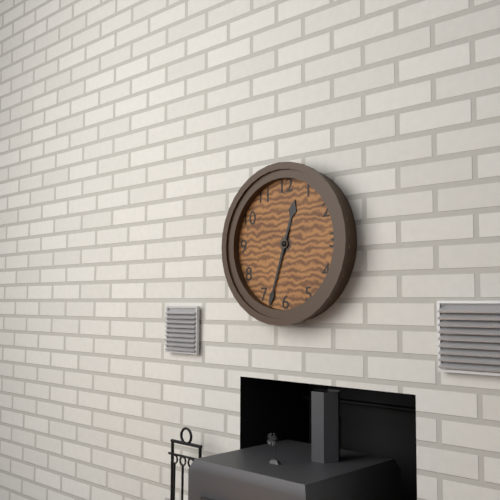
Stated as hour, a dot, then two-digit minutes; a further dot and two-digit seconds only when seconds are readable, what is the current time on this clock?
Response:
12.33
